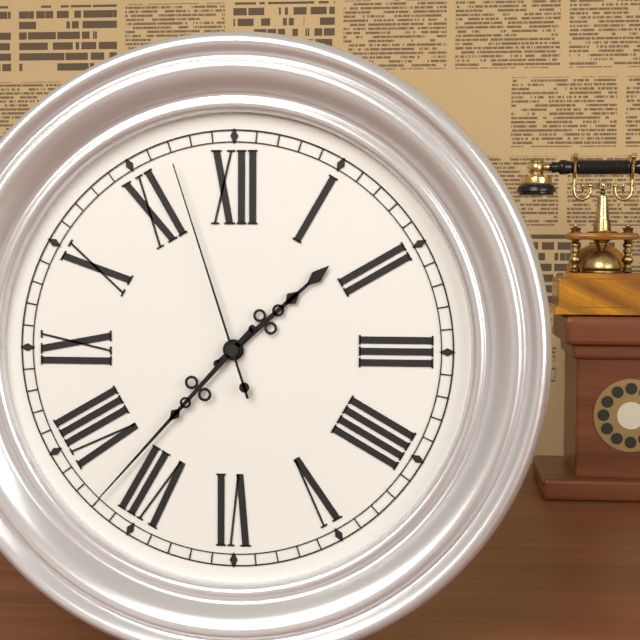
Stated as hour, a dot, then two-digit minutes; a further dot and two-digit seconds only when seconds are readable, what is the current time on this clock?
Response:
1.37.57
